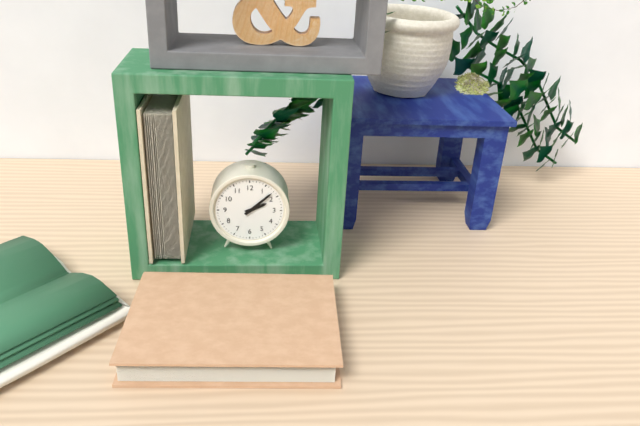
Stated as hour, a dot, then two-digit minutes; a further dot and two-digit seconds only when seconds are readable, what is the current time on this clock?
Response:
2.08
